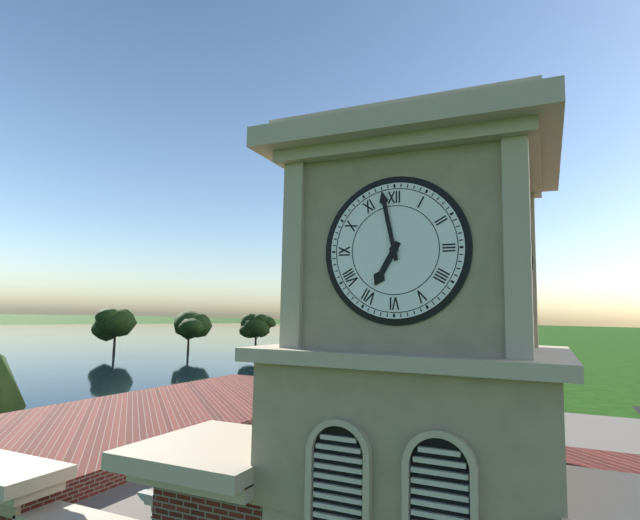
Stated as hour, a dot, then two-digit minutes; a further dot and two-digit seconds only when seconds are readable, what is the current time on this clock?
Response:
6.58
